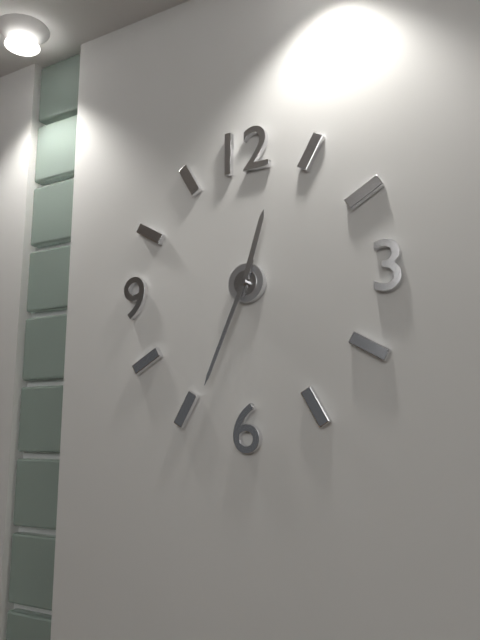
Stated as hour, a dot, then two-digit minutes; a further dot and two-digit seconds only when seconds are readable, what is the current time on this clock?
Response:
12.34
